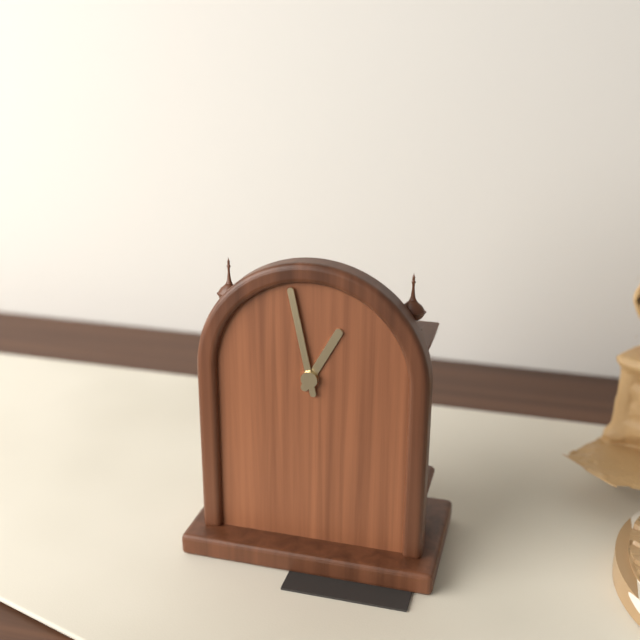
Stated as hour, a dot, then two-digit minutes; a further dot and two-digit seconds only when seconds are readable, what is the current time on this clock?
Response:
12.58
